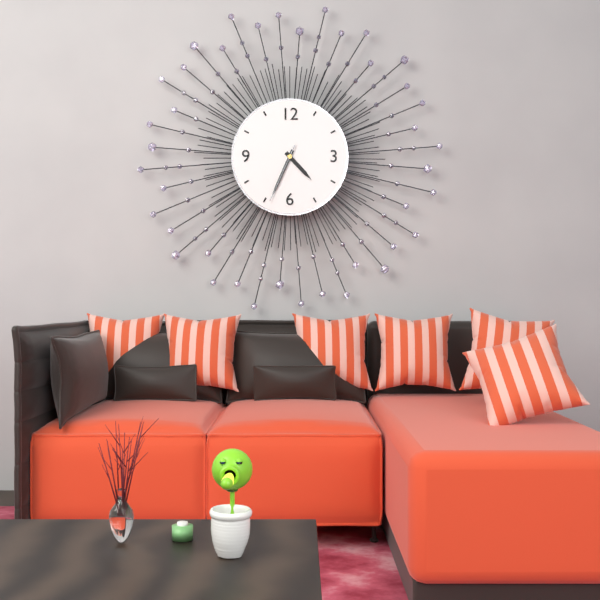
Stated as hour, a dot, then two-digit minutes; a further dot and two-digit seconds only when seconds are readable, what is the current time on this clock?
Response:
4.34.34
